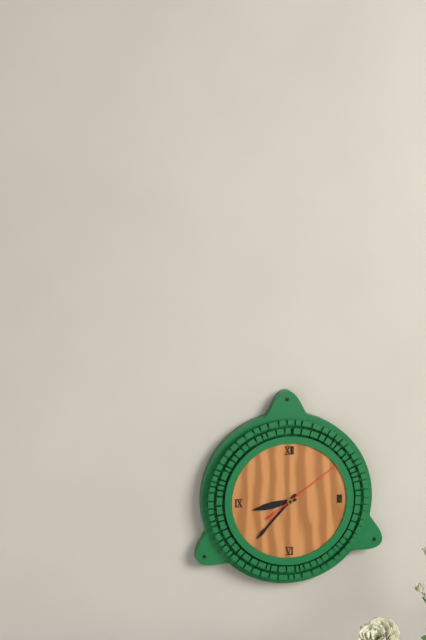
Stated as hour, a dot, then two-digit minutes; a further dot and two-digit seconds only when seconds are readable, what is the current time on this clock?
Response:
8.37.09
